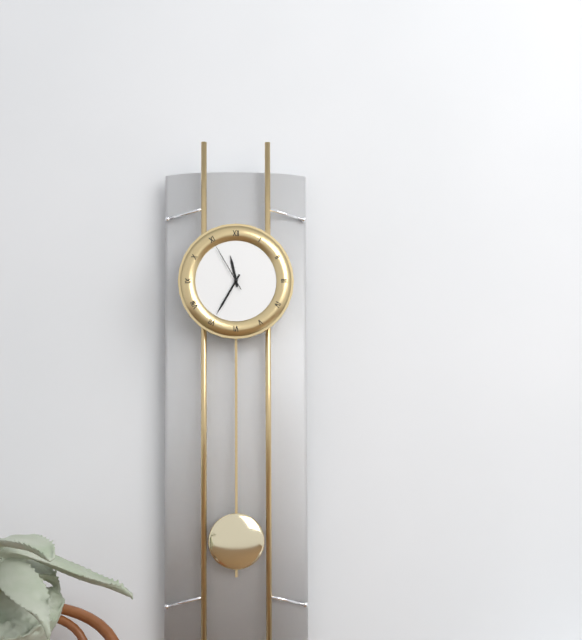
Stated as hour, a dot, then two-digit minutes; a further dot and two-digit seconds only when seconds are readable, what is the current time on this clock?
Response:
11.35.55
